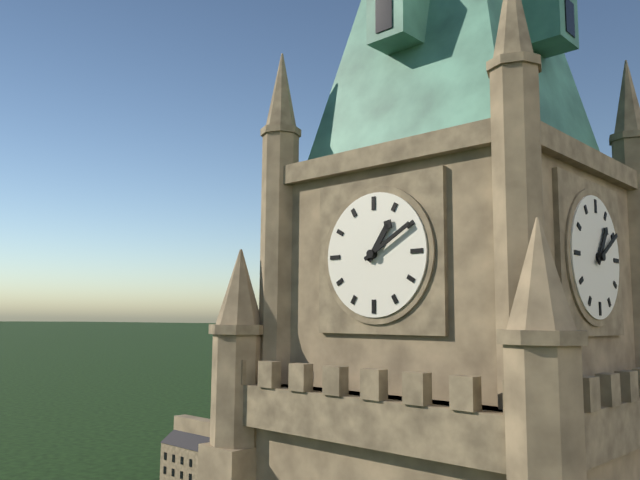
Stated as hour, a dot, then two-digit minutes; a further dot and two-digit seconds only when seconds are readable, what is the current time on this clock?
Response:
1.10
